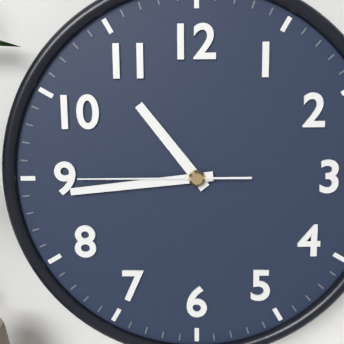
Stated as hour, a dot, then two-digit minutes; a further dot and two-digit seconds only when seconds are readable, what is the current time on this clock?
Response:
10.44.45
